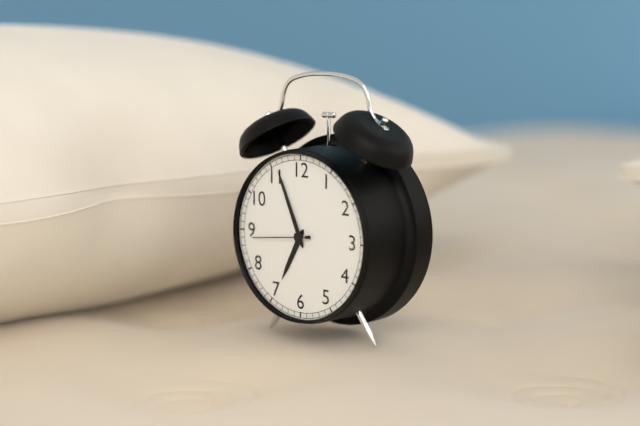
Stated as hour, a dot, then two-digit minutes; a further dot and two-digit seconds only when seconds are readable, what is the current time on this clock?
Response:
6.56.44
